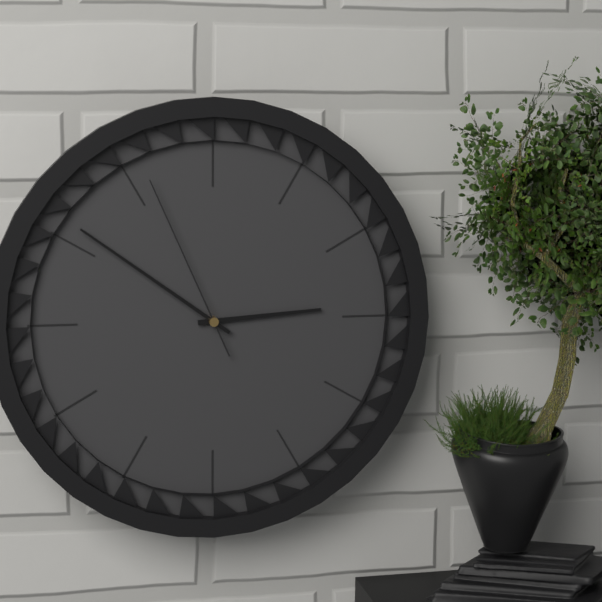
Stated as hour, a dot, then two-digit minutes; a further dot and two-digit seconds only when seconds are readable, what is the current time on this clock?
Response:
2.51.56
